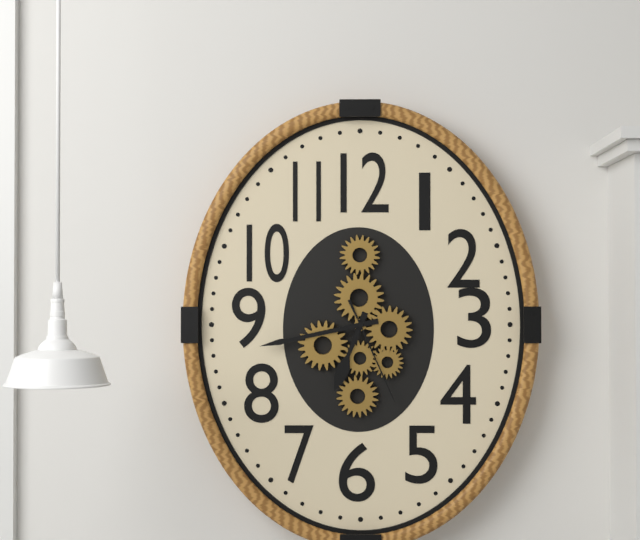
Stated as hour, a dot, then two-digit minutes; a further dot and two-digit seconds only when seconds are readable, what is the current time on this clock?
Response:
6.43.26
